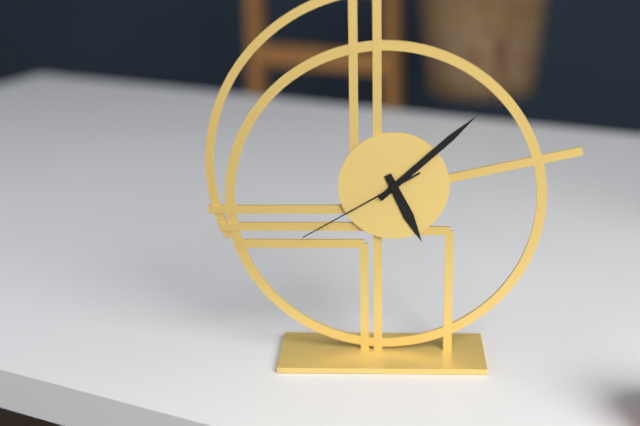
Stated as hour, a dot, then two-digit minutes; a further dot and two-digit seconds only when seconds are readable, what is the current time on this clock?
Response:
5.08.40
